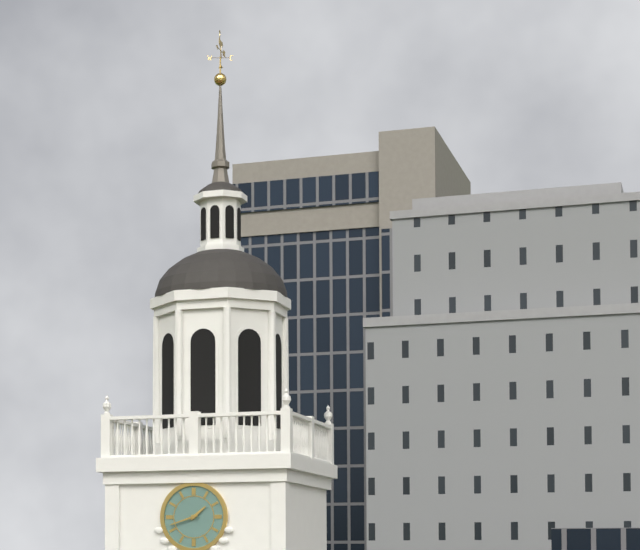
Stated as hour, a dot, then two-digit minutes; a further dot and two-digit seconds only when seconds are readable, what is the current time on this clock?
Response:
1.42
